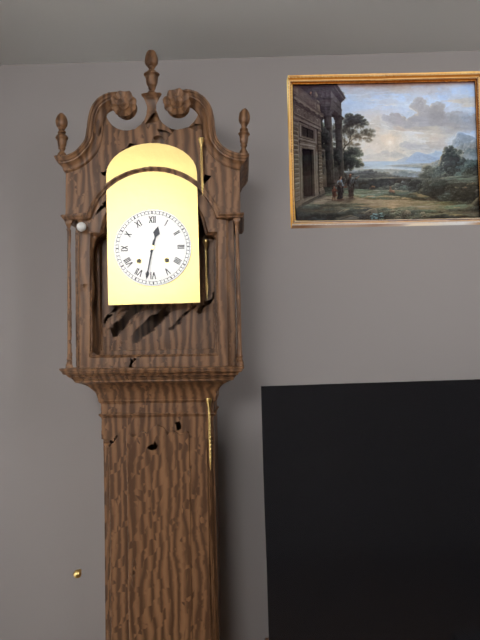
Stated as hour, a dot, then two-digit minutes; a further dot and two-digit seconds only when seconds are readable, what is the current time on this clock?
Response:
12.32
